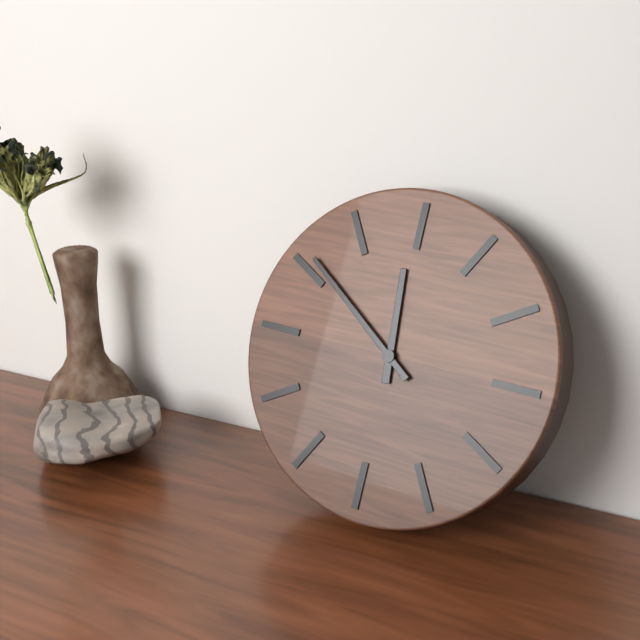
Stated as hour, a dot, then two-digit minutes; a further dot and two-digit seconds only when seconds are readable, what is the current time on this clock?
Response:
11.51
